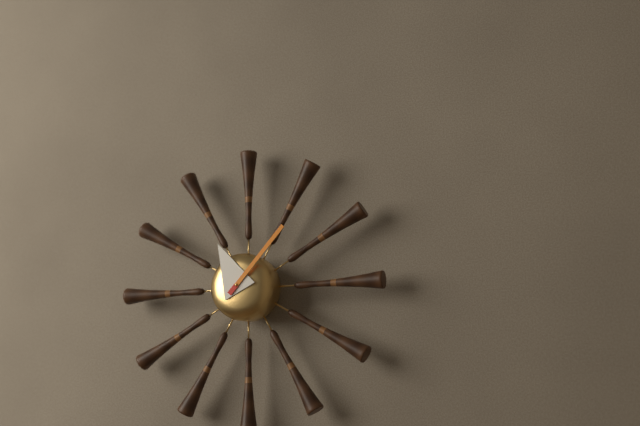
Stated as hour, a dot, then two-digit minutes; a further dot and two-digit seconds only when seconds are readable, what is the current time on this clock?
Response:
11.07
